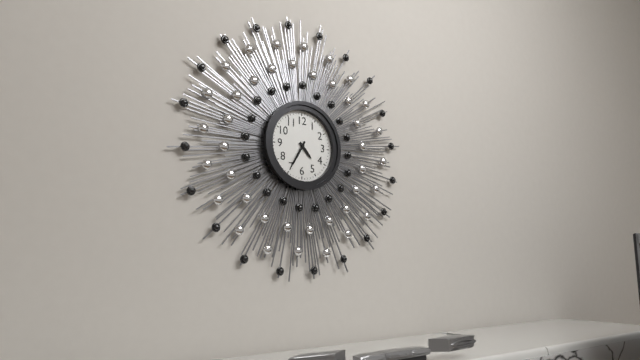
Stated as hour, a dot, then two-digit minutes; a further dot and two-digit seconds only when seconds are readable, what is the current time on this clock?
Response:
4.35
